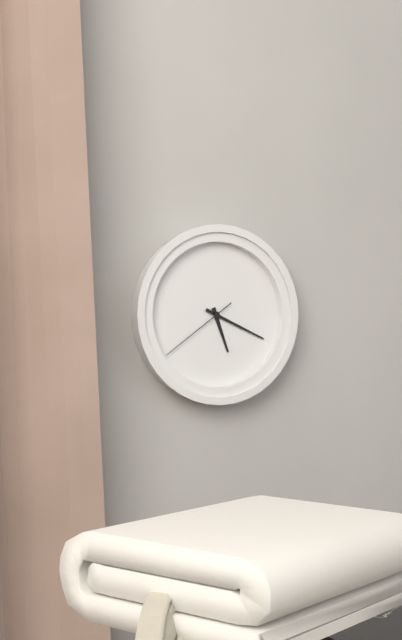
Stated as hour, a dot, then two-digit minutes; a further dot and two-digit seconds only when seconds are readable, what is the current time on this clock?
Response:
5.19.39
